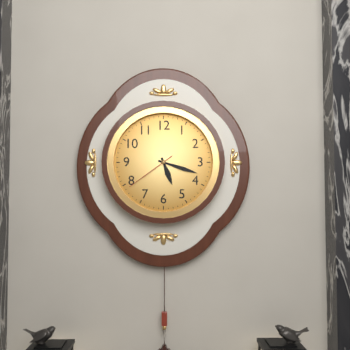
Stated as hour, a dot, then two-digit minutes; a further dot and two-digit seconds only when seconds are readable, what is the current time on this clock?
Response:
5.18.39
